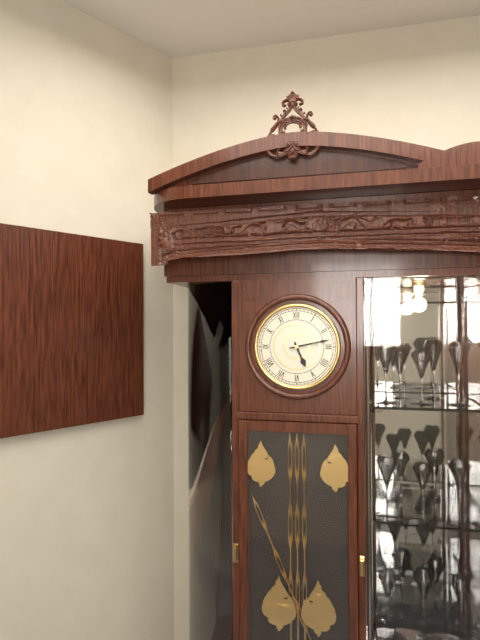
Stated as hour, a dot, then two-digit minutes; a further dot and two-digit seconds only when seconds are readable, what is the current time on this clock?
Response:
5.13
